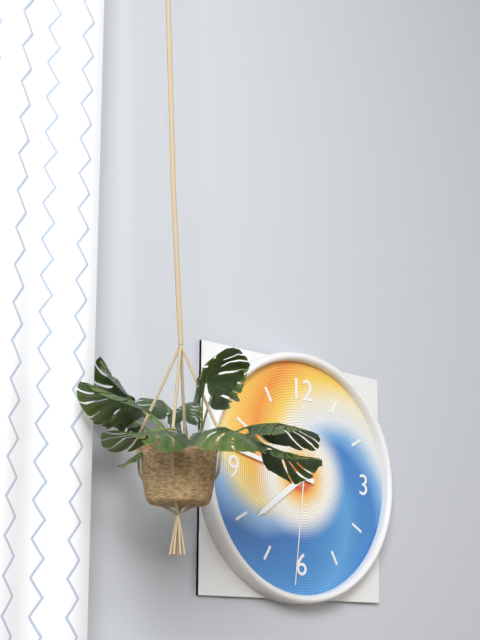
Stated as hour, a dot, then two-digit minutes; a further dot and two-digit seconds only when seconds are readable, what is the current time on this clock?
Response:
7.47.31
